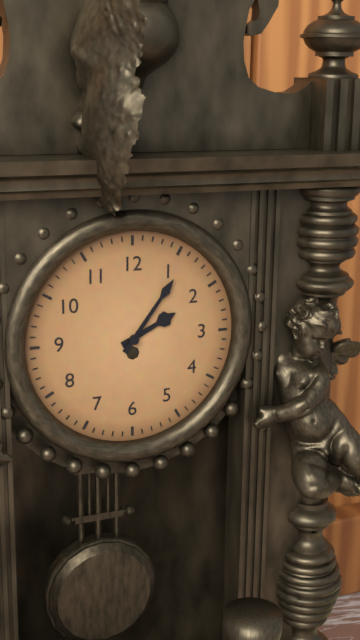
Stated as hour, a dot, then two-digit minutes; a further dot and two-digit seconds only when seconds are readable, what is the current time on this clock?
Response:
2.06
